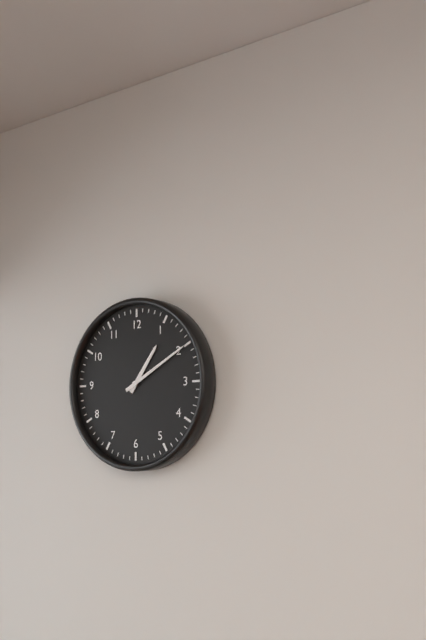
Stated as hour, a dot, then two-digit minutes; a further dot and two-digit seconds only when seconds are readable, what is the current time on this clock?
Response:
1.10
